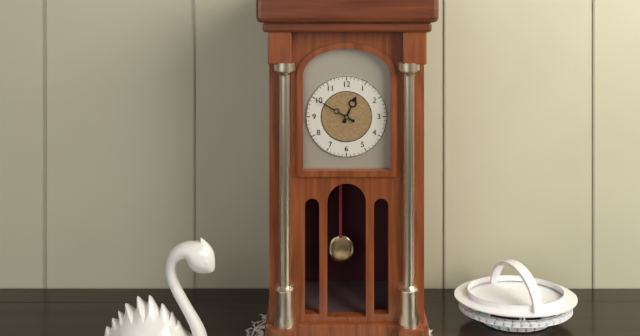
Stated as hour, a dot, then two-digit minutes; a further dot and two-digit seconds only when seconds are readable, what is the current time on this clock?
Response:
12.50
